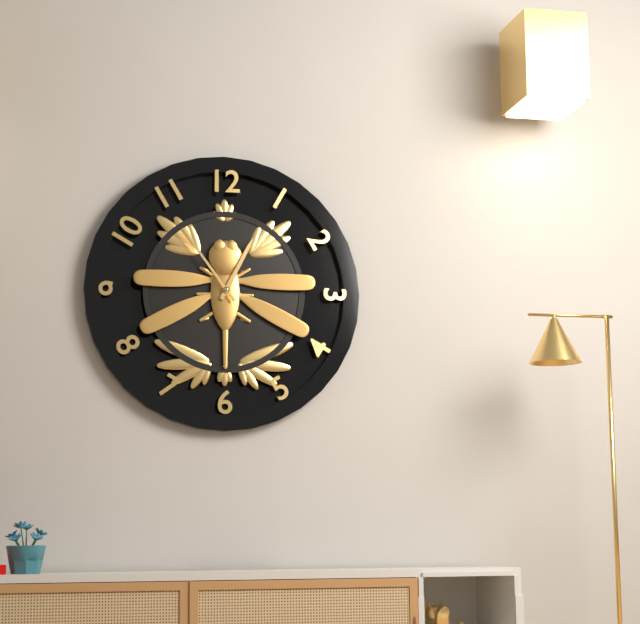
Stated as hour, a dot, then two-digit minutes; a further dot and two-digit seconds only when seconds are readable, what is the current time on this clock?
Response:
12.54
